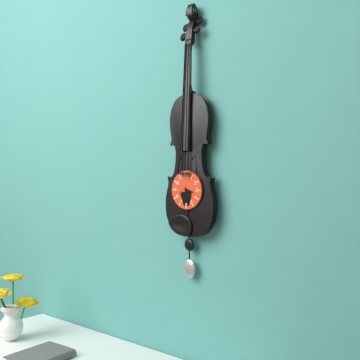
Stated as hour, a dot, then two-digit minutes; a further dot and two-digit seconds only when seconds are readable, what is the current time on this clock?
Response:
3.28
